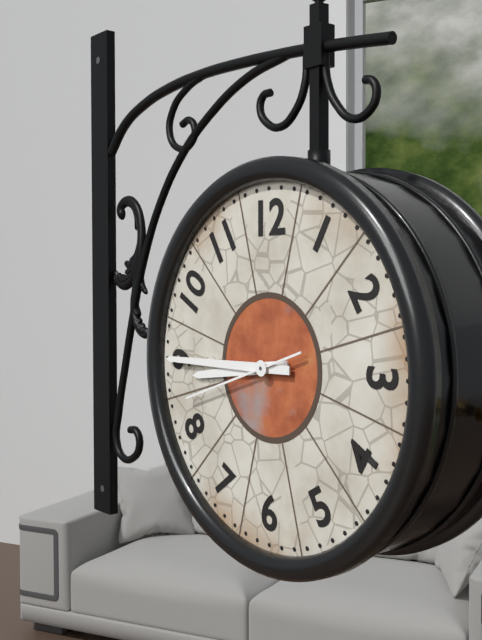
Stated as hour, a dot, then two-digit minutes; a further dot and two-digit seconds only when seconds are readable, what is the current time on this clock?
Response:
8.45.42
